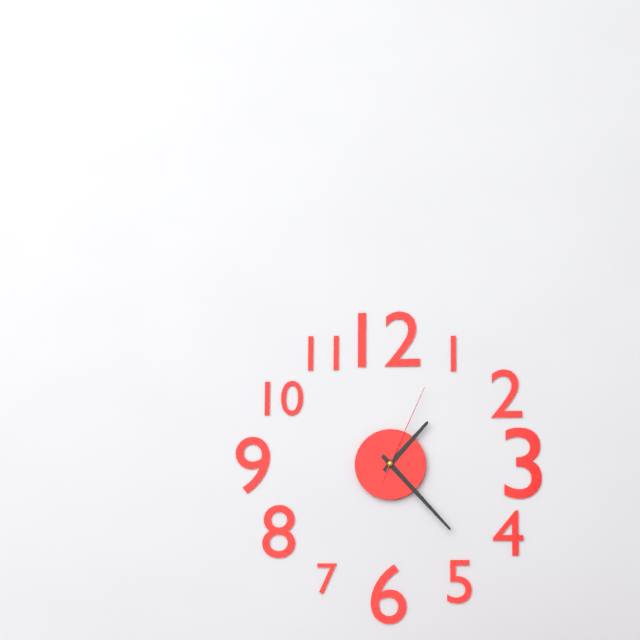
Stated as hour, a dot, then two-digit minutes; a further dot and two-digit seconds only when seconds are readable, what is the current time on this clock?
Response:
1.23.04
